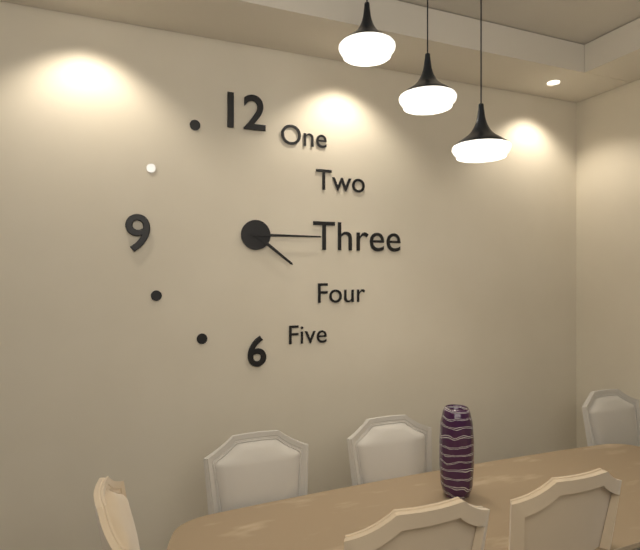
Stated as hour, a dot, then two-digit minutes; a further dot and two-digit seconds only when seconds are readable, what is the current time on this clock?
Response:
4.15
